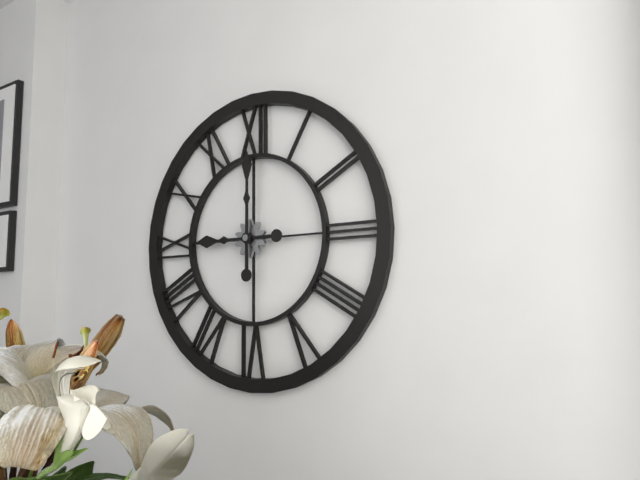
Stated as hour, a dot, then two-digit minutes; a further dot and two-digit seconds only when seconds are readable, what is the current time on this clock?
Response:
9.00
